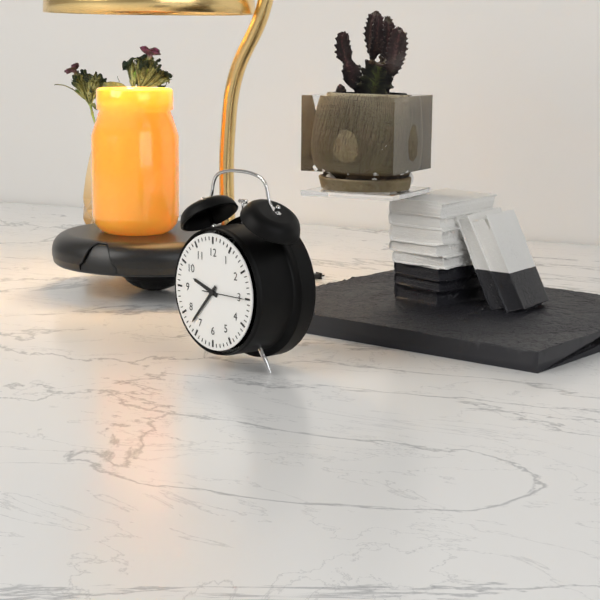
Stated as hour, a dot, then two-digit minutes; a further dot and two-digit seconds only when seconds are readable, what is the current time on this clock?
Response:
9.37
